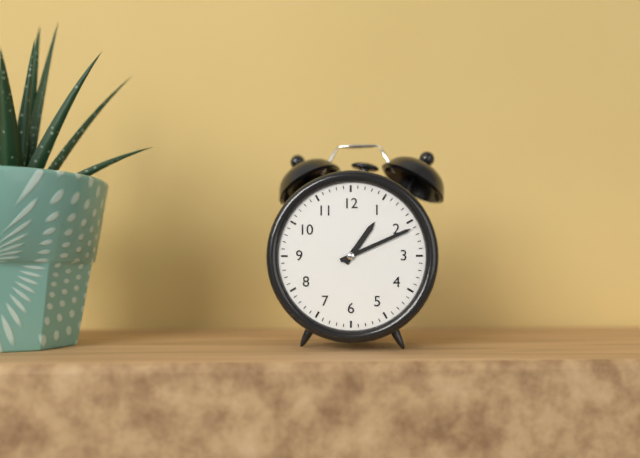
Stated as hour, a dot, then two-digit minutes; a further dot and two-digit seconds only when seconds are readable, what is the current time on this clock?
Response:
1.11
